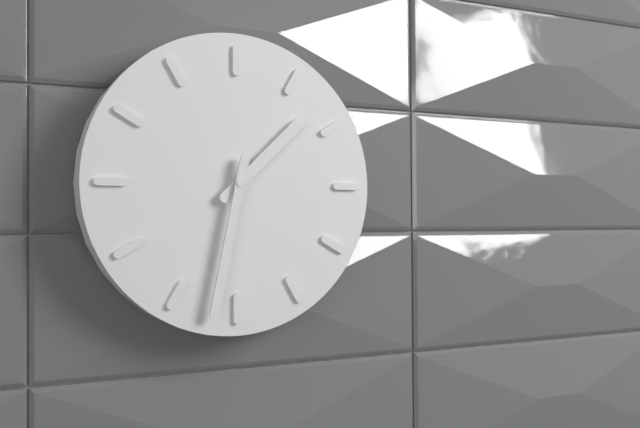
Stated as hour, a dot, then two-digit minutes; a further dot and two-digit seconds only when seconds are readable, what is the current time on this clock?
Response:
1.32
